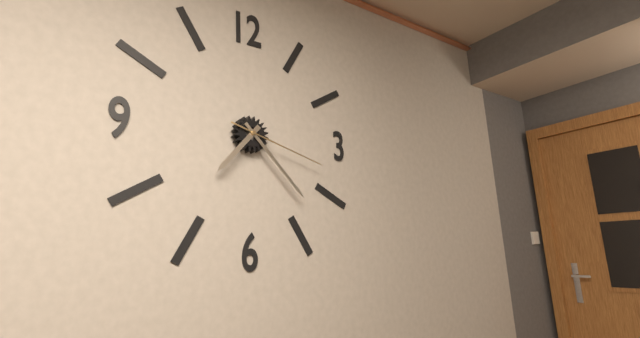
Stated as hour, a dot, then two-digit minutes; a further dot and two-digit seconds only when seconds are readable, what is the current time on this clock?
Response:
7.23.18
